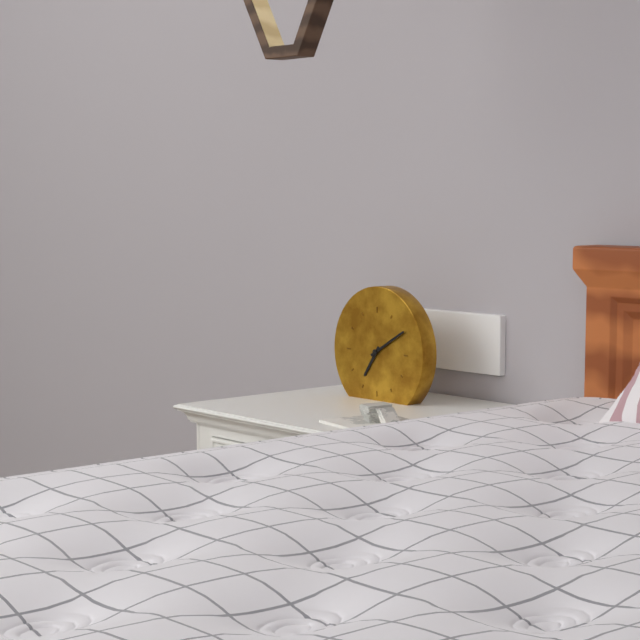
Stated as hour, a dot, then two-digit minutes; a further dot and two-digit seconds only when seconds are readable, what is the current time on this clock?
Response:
7.10
